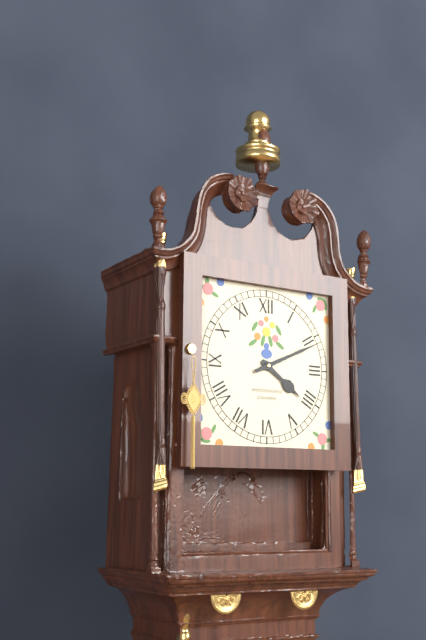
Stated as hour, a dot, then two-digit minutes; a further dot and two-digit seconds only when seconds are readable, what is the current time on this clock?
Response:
4.11
